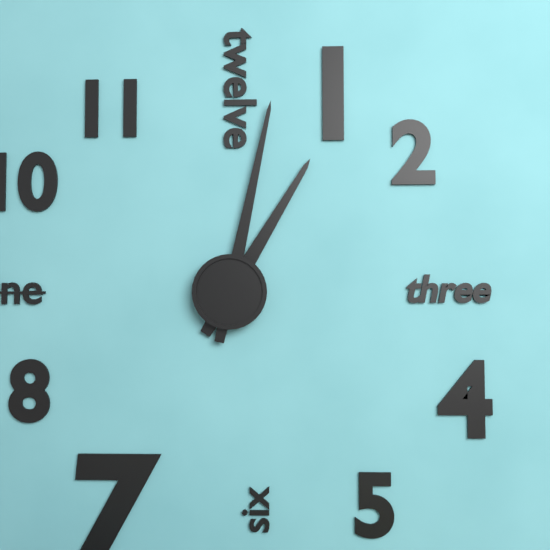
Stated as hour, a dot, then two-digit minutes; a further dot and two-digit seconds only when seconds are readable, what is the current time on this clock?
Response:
1.02
